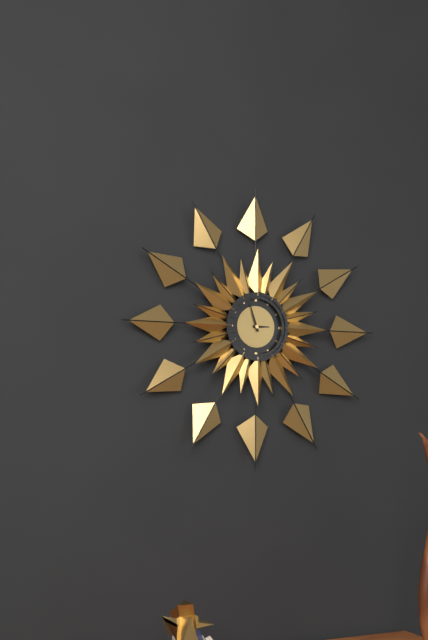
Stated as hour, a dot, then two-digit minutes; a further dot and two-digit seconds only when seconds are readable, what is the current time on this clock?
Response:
2.57
